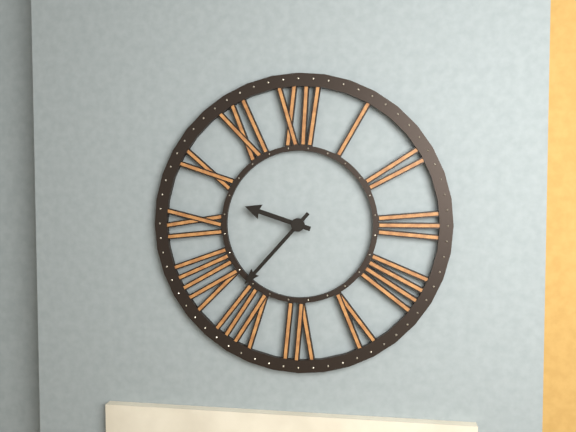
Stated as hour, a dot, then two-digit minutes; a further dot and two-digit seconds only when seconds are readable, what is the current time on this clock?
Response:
9.37
